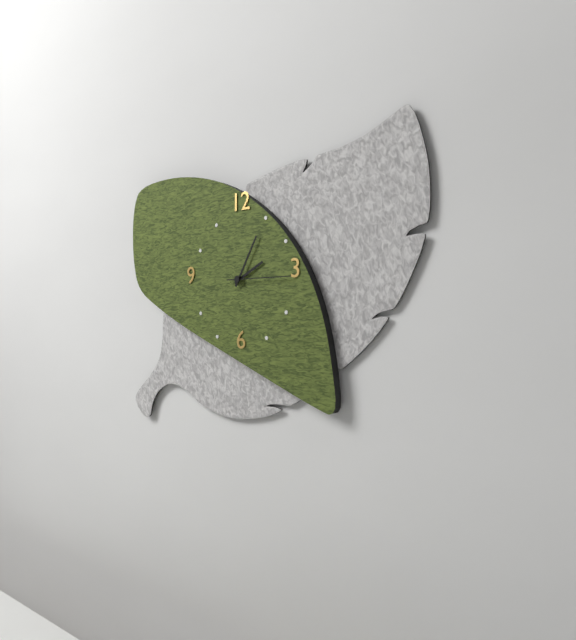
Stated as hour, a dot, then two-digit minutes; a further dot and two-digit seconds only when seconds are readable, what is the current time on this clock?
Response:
2.05.15
